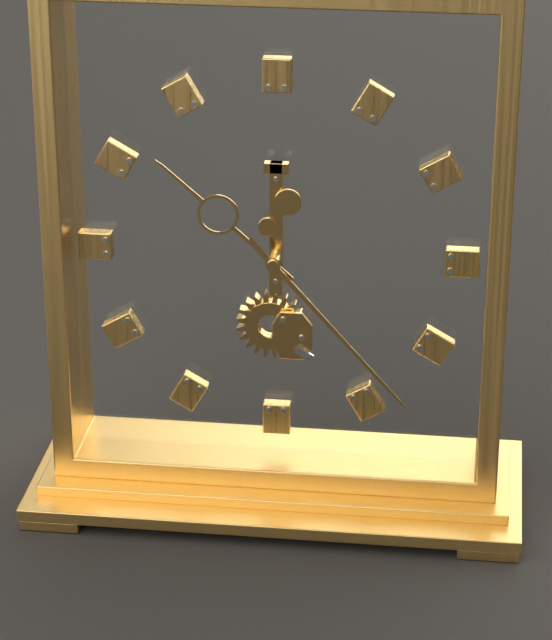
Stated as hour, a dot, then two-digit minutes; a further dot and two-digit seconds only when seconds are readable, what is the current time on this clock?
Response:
10.23
